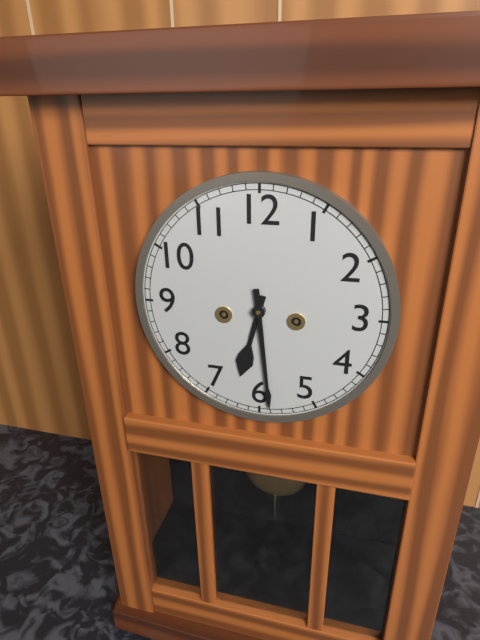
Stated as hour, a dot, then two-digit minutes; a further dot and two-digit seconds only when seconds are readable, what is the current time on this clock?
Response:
6.29
